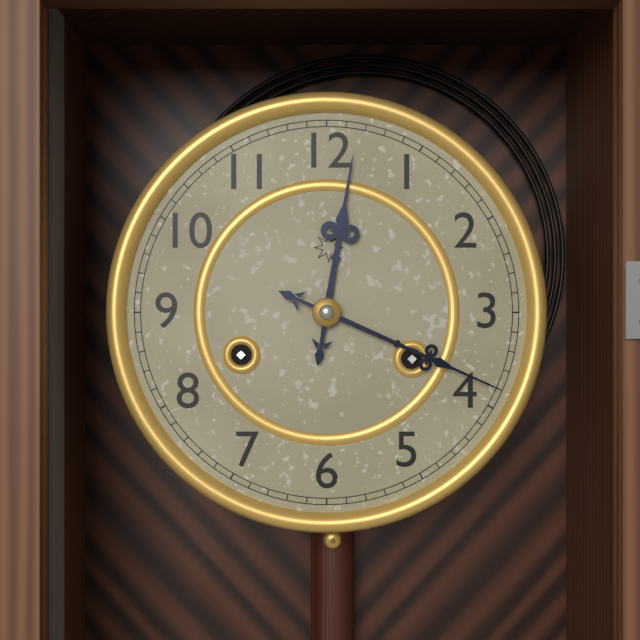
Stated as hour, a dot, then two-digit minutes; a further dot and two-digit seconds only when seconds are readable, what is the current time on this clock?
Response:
12.19
